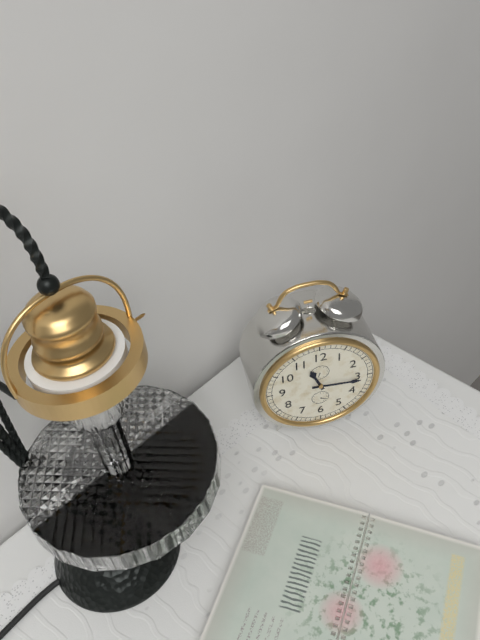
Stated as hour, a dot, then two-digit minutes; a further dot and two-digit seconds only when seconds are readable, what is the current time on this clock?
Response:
11.16
